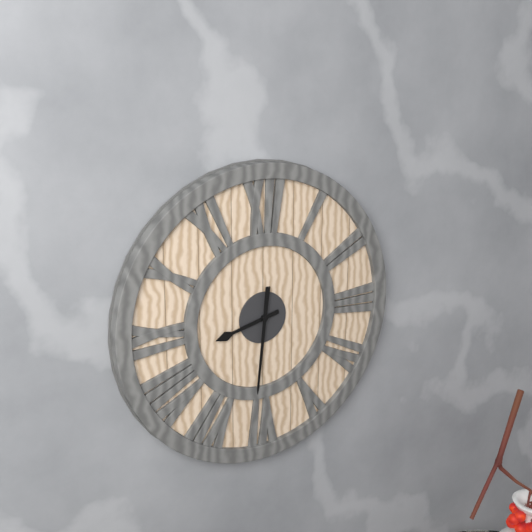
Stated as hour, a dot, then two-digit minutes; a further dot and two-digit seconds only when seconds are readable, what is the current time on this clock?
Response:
8.31
